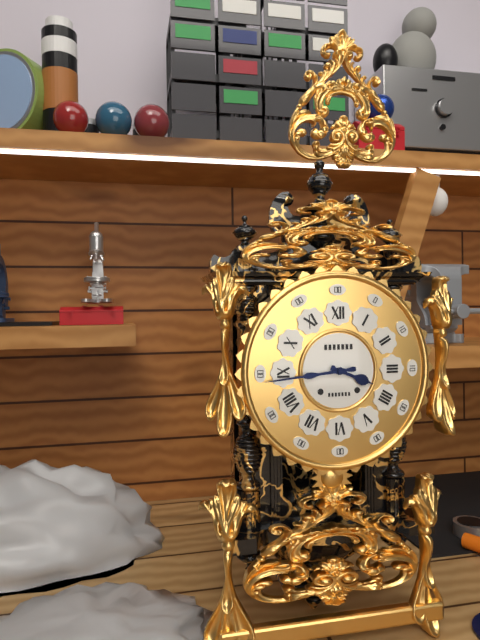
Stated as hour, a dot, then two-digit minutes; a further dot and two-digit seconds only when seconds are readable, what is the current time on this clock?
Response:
3.44
